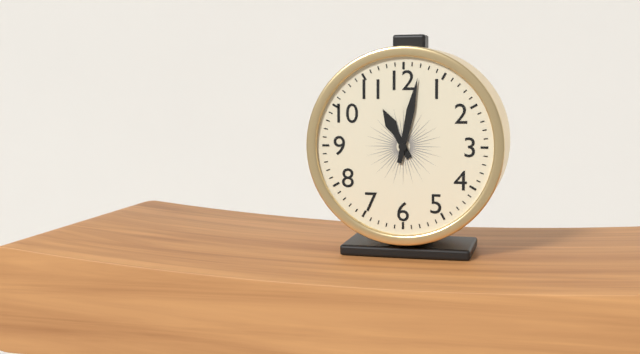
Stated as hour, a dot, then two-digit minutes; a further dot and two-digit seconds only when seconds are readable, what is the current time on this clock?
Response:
11.02
